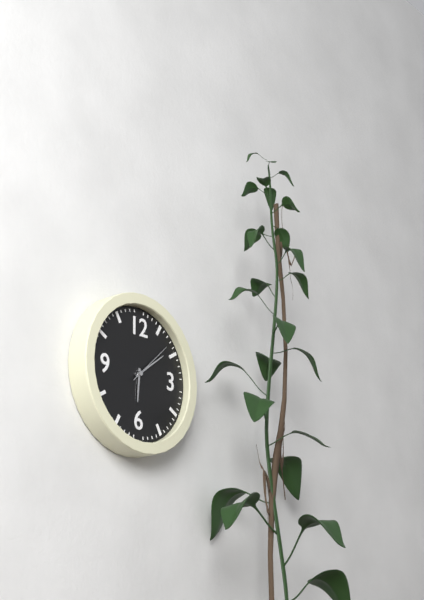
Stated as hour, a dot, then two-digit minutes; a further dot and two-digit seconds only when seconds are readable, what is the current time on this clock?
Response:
6.09
